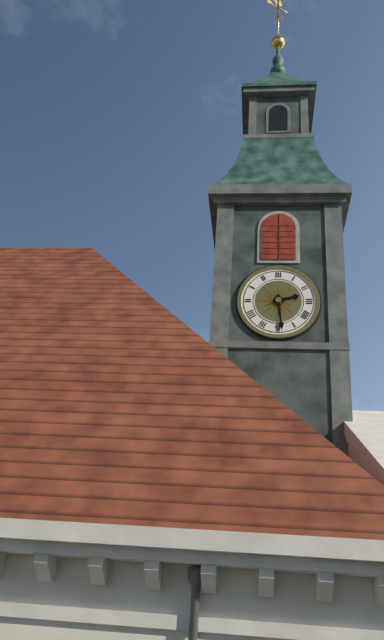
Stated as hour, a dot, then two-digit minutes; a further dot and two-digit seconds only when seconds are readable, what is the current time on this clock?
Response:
2.29
